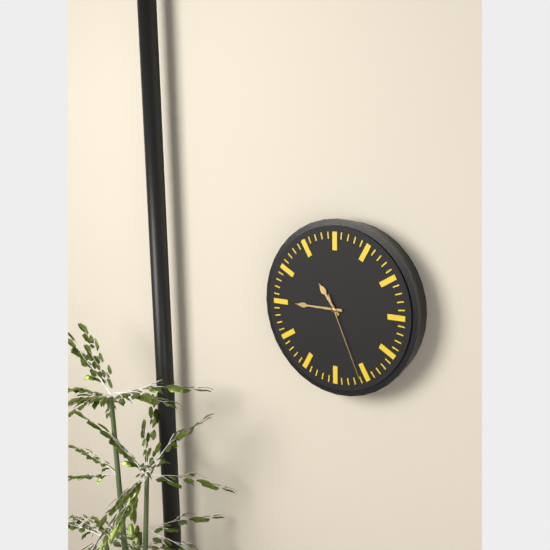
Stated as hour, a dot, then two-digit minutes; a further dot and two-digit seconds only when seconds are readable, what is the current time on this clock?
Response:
10.45.26
